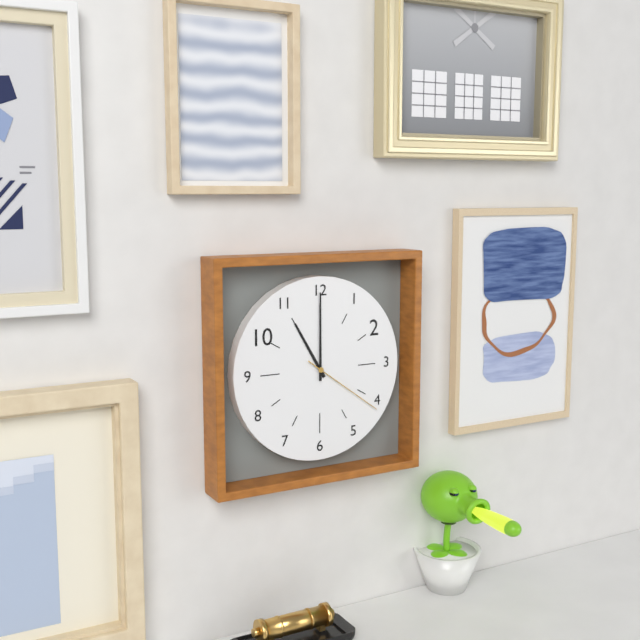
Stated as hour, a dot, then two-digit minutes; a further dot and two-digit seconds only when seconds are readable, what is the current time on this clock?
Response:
11.00.21
